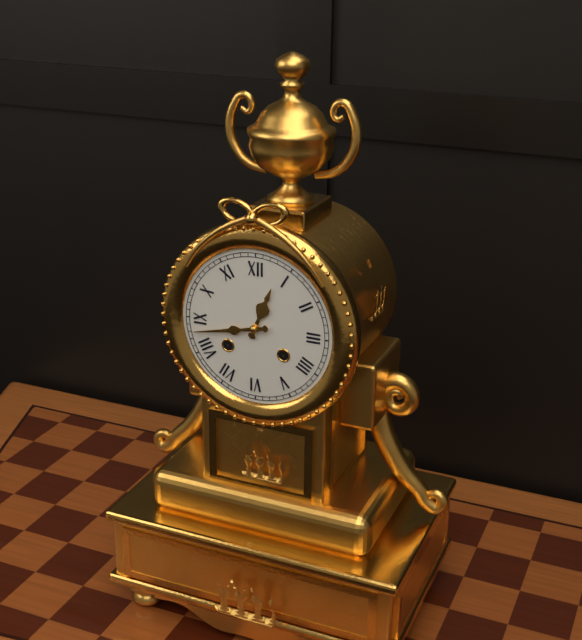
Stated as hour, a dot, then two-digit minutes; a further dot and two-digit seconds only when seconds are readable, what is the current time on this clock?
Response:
12.43
